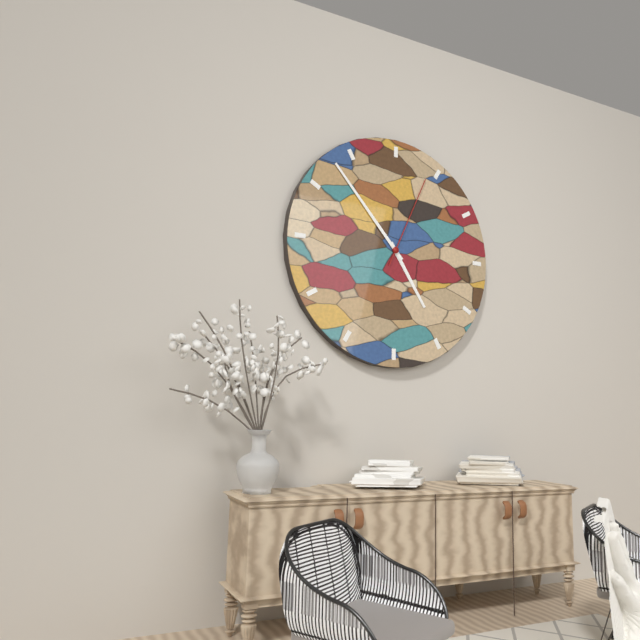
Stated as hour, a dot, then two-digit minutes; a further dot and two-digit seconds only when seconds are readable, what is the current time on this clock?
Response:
4.53.04
